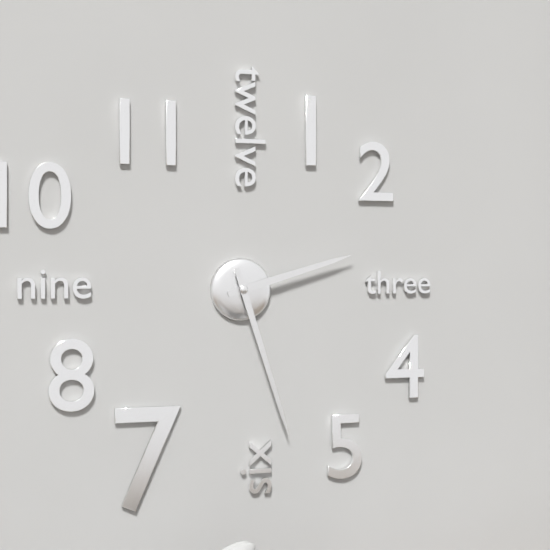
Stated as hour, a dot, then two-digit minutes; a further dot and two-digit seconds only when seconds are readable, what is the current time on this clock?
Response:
2.27
